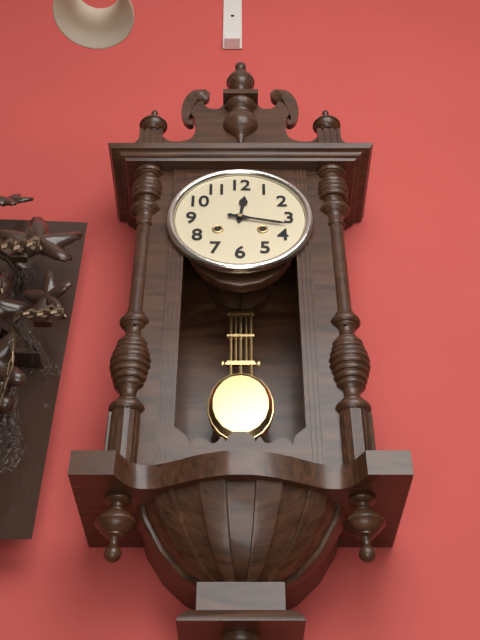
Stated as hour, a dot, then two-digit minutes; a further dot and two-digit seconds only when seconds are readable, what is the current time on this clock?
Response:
12.17
